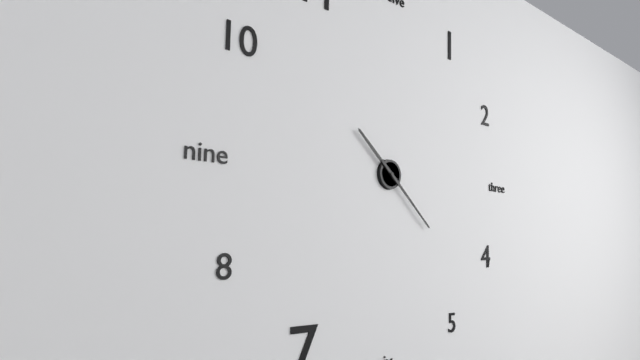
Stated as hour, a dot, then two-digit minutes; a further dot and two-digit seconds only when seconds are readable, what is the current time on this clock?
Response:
10.22
